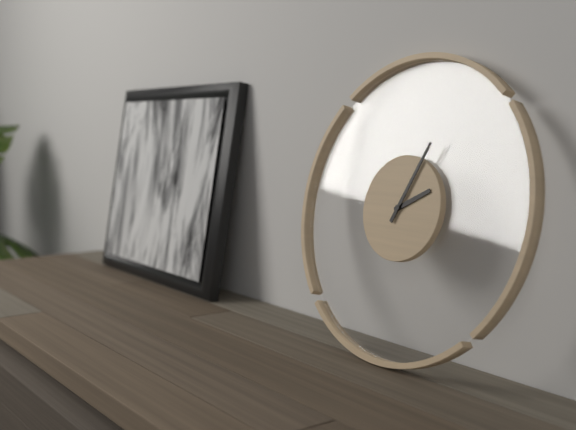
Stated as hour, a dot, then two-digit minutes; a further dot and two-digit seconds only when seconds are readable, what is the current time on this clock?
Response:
2.04
